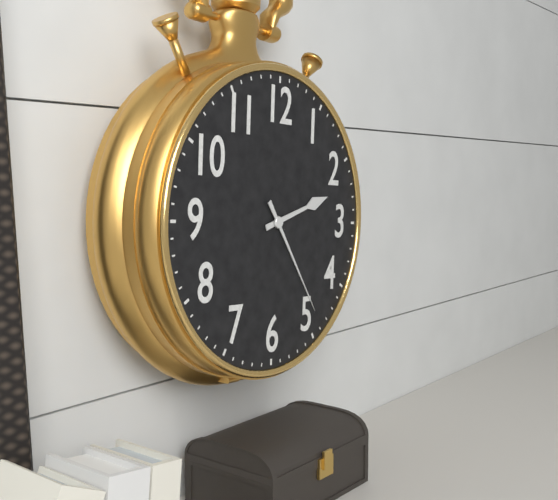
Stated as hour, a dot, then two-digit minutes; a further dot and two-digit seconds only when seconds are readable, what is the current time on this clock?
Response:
2.24
